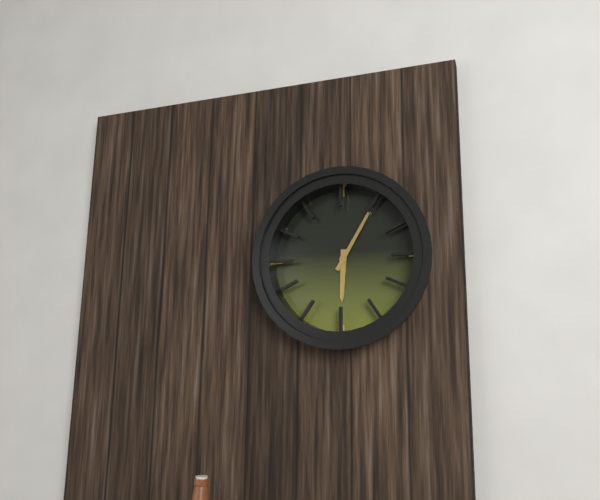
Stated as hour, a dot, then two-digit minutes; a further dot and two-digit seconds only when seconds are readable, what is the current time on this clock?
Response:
6.05
